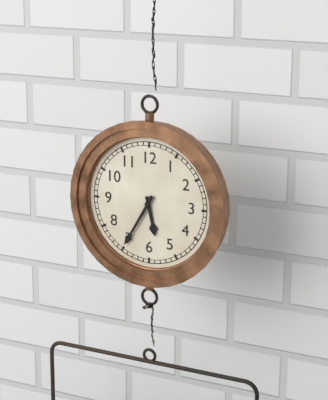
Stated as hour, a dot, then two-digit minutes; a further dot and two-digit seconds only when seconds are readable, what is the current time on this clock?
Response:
5.35
